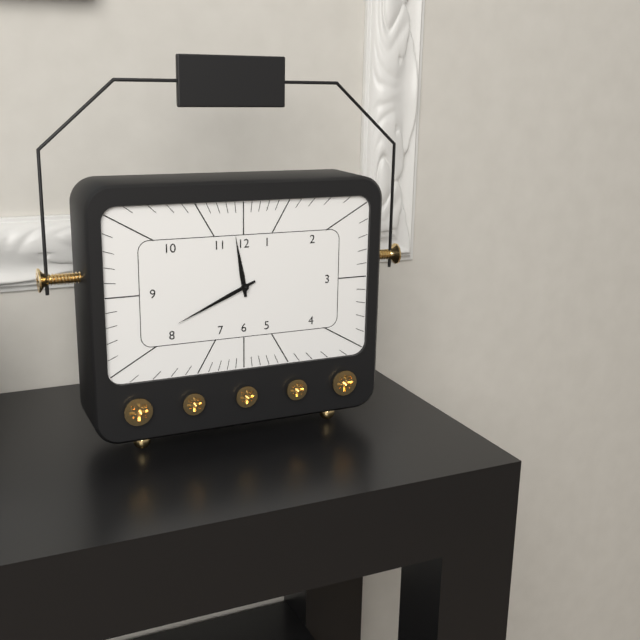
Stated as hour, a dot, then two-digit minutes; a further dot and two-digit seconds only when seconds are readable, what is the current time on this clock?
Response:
11.41
